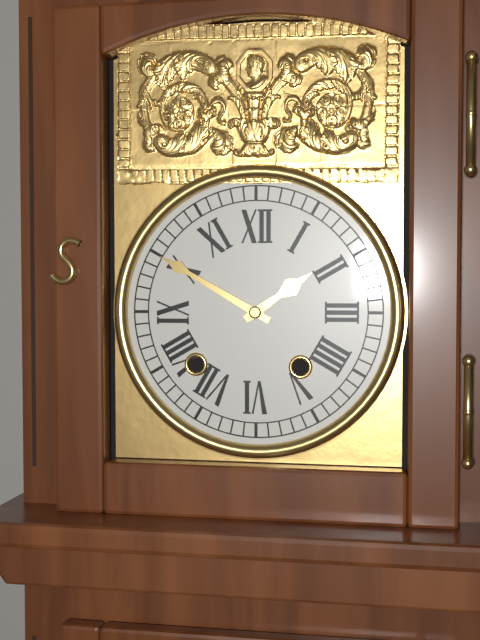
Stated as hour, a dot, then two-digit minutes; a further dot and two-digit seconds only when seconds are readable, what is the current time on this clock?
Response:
1.50
